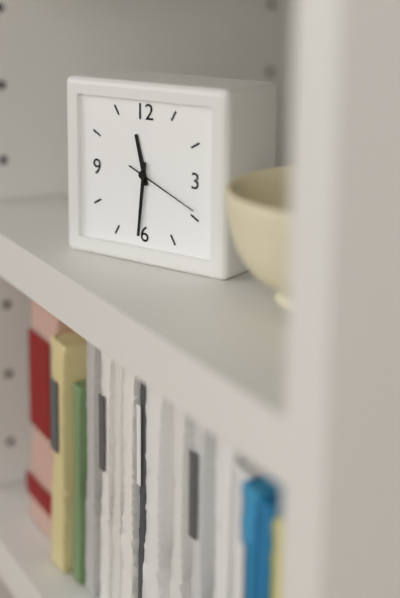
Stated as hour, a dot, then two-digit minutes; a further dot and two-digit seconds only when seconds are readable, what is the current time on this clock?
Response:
11.31.19
